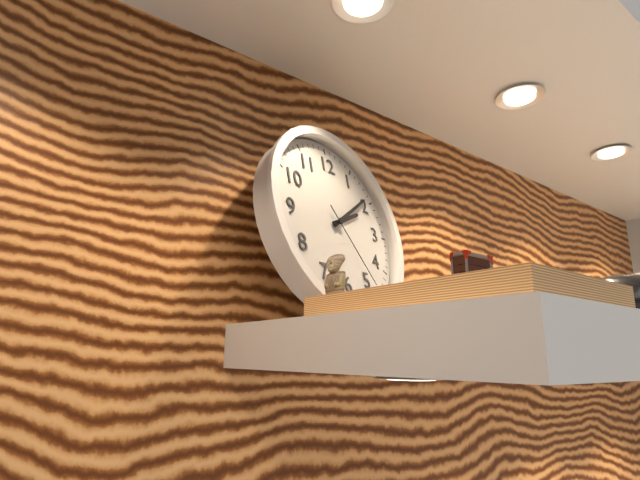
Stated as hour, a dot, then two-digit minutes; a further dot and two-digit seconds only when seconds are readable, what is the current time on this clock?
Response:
2.09.24
